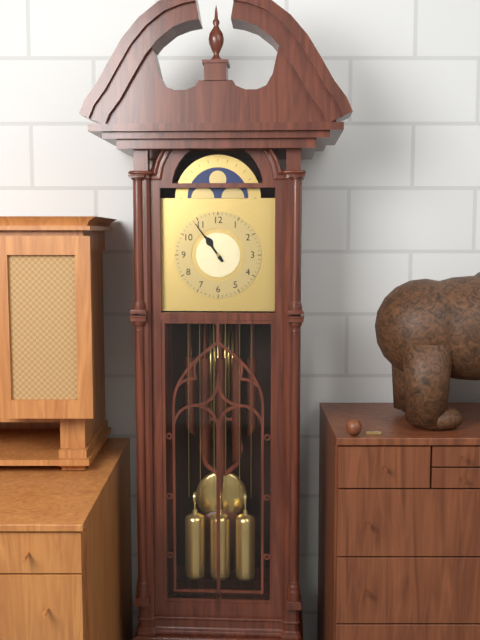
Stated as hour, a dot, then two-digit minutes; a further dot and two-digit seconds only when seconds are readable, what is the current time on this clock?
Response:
10.54
